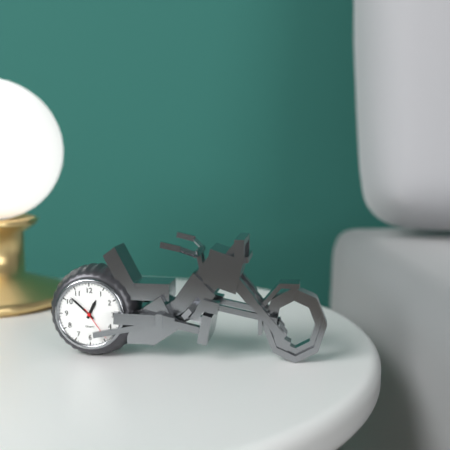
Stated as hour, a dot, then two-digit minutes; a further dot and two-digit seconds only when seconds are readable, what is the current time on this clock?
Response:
12.52
